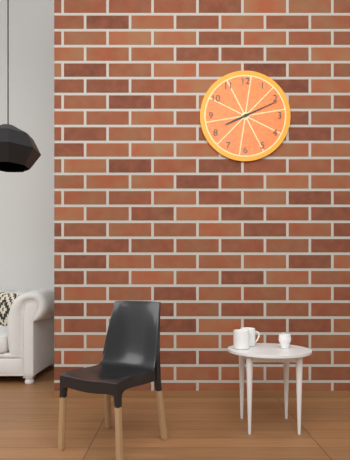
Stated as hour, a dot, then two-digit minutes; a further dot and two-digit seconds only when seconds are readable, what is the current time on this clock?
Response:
8.11
